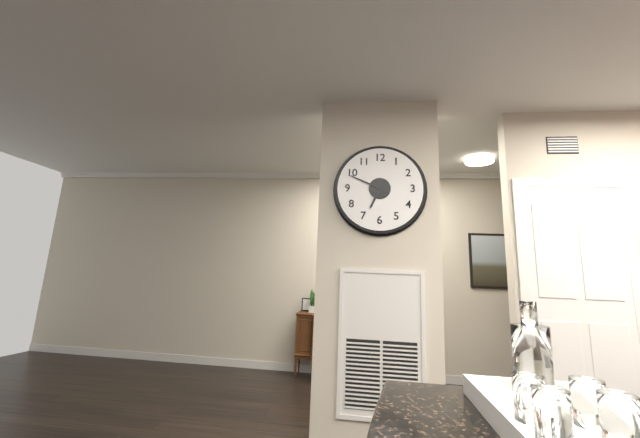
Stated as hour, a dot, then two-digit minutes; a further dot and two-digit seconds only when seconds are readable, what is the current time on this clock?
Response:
6.49
